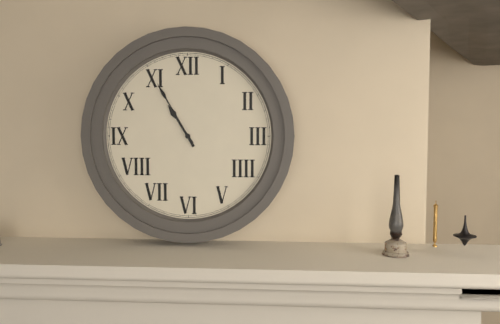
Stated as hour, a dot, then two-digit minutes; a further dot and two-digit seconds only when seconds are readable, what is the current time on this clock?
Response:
10.55
